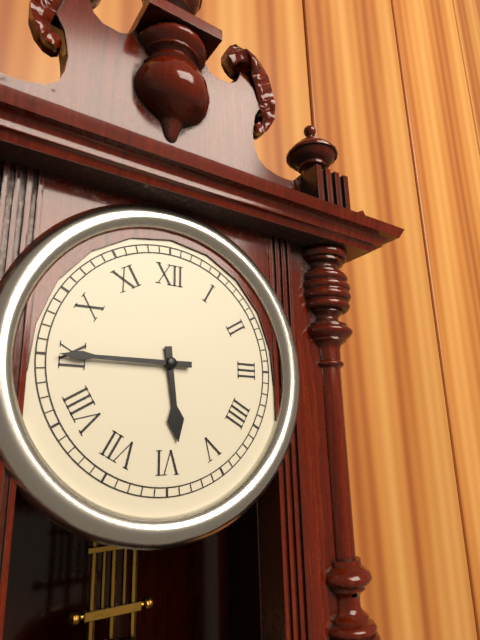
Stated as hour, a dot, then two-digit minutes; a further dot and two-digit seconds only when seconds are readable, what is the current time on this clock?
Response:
5.45
